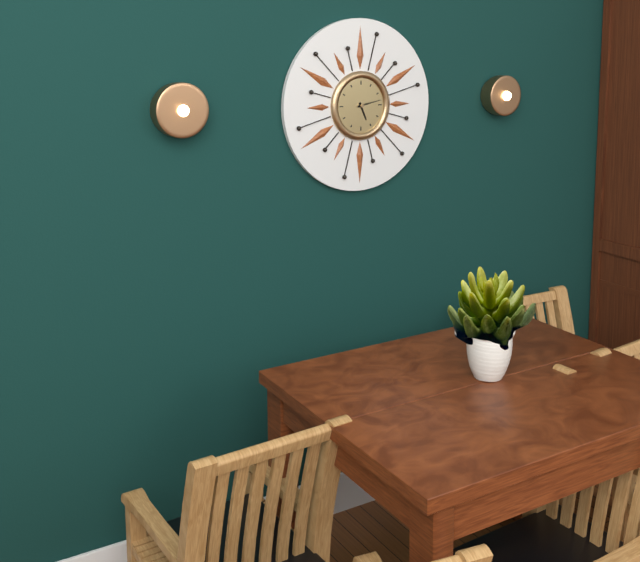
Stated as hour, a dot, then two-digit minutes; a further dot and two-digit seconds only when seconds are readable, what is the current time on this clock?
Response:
5.13
